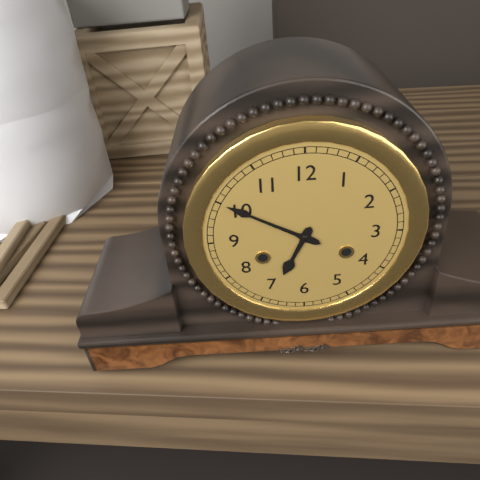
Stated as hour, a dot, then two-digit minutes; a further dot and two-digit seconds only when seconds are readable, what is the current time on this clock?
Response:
6.50
